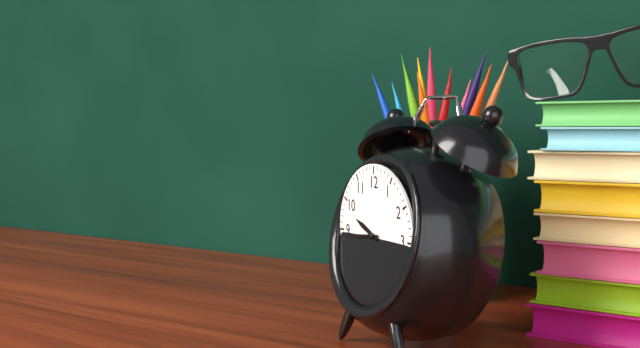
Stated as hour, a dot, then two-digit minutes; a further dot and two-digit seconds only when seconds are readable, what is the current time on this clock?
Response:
9.44
